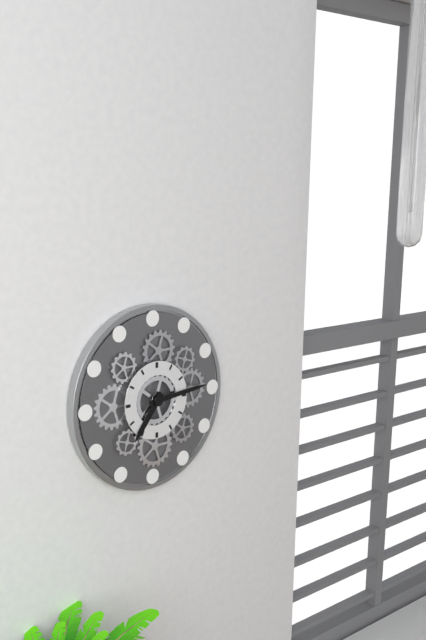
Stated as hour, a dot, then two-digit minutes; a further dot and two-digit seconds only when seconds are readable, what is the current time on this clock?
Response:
7.14
